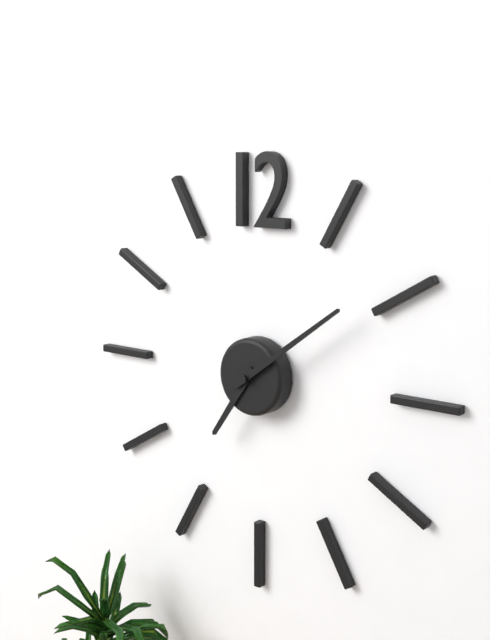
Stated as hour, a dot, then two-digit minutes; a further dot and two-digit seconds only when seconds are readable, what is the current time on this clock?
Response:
7.09
